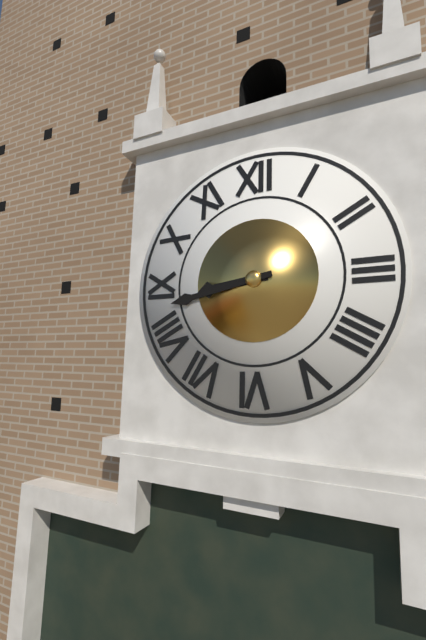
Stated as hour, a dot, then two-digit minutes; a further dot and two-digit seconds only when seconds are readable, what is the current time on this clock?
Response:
8.43
